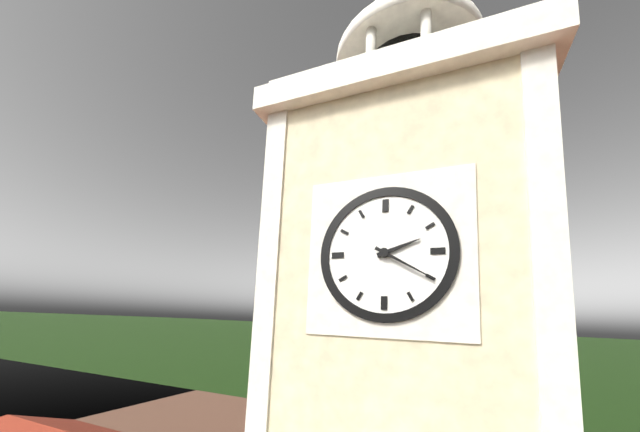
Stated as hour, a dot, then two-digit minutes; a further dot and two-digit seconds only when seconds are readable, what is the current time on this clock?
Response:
2.20
